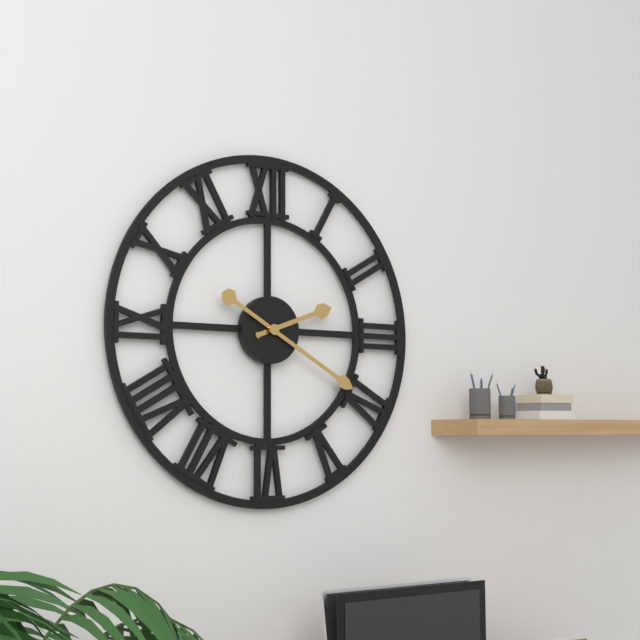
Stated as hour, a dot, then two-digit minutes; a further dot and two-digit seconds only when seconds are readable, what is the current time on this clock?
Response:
2.20
